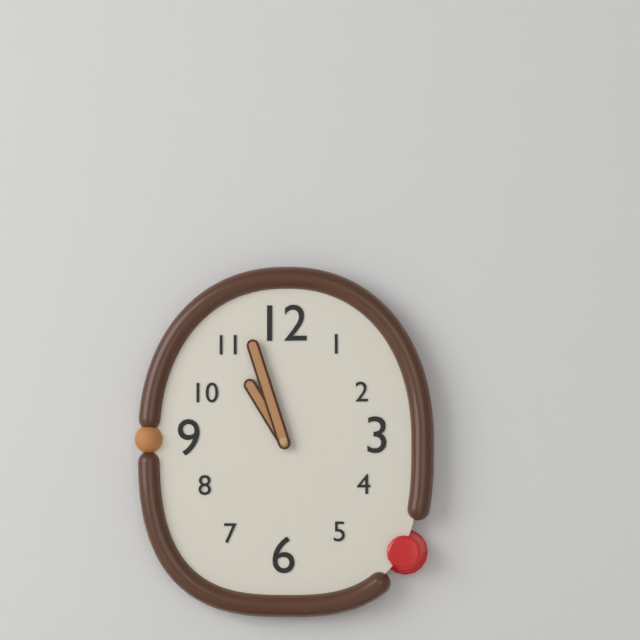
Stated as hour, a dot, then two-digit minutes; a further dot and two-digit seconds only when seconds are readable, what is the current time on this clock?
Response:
10.57
